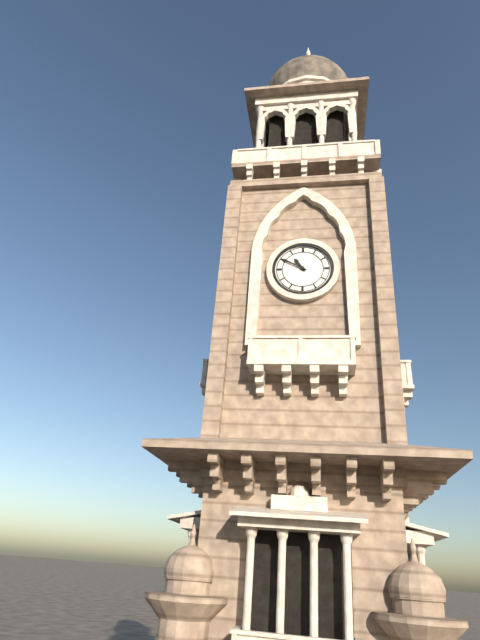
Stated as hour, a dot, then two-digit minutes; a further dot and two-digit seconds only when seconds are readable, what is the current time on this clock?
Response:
10.50
